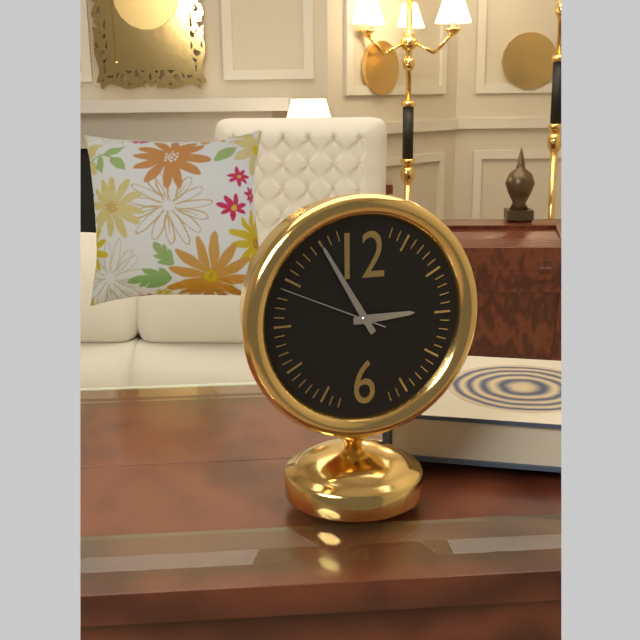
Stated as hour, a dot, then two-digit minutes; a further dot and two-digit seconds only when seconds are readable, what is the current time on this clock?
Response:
2.55.49
